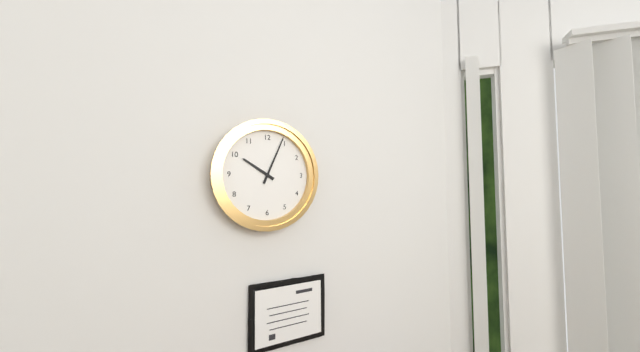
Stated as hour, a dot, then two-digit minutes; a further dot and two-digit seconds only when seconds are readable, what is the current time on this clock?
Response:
10.04
